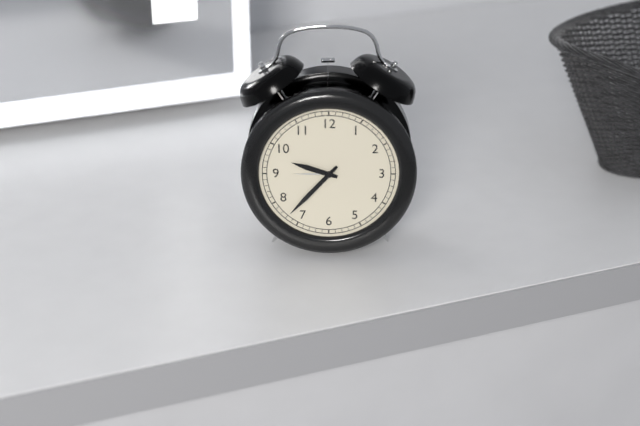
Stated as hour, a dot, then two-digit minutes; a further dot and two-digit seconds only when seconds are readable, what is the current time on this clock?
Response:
9.37
